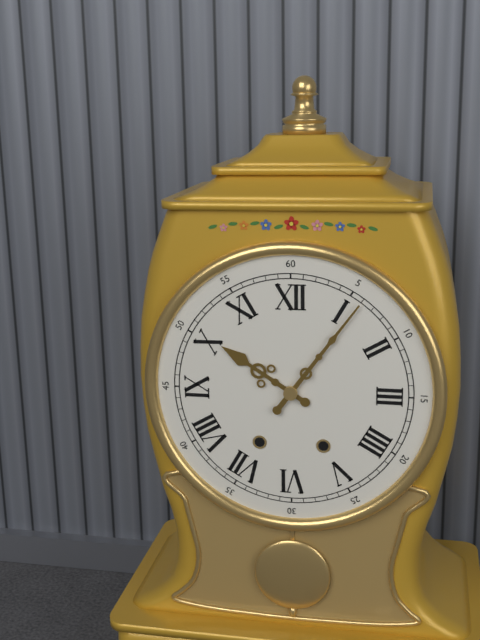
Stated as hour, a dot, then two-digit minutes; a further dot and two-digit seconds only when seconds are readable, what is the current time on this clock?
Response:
10.06
